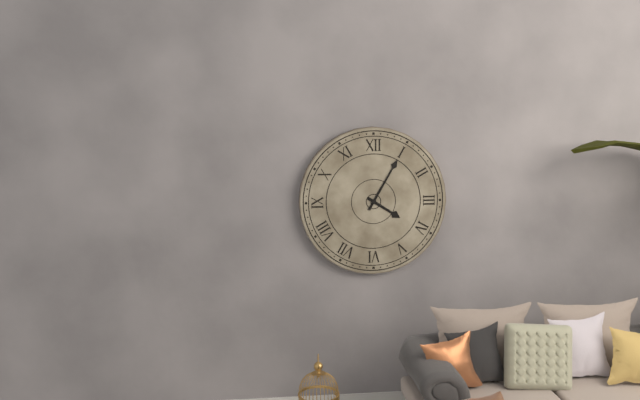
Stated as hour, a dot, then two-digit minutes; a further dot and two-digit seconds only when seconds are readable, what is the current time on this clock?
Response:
4.05
